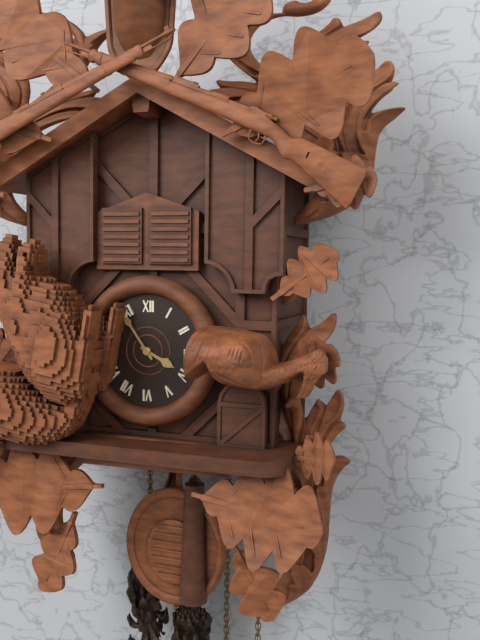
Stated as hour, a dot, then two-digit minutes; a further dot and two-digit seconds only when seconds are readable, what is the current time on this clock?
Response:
3.54
